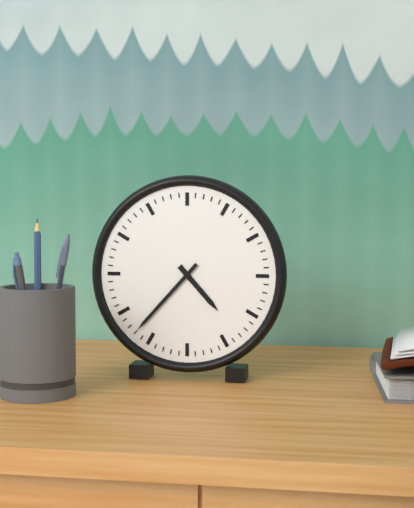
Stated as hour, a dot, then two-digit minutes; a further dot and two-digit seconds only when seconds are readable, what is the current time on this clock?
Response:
4.37
